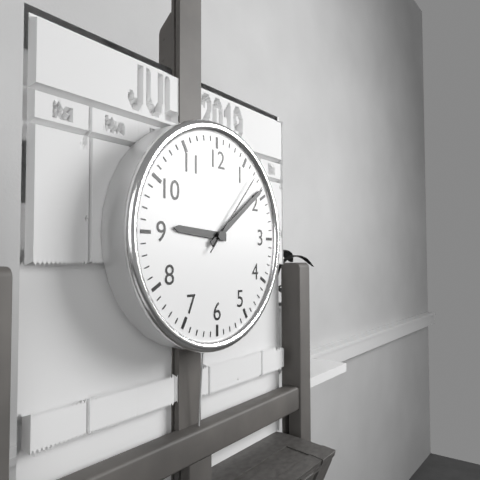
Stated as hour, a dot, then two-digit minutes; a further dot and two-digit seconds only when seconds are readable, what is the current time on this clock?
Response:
9.09.07
